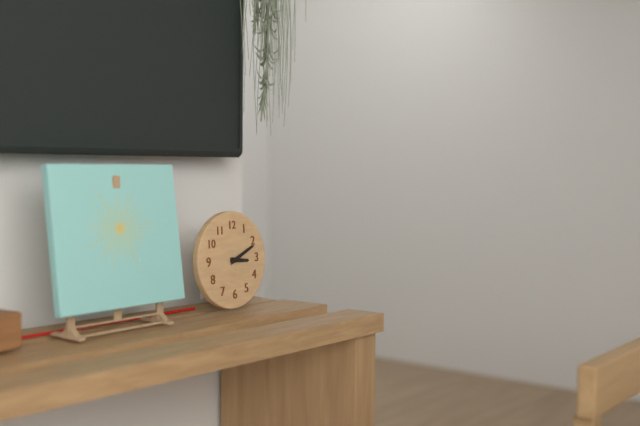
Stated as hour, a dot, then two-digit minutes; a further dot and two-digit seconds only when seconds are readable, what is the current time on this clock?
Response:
3.11
